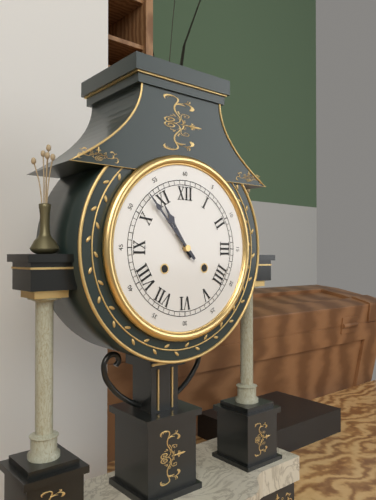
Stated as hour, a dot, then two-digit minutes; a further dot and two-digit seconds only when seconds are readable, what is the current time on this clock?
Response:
10.53
